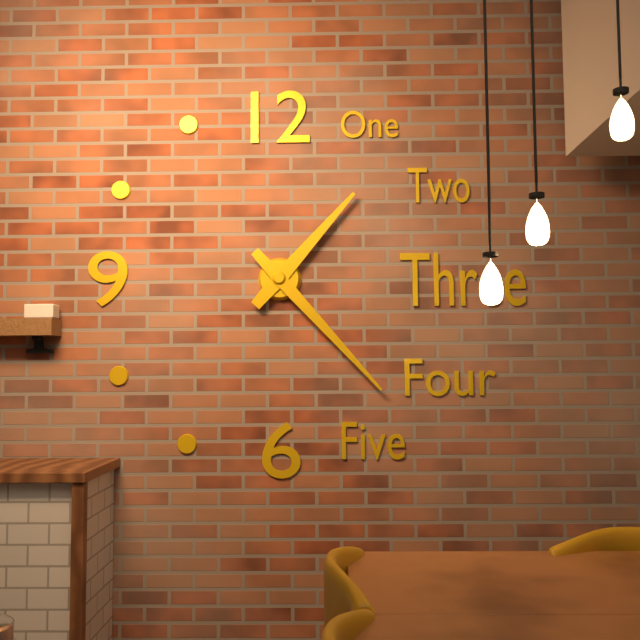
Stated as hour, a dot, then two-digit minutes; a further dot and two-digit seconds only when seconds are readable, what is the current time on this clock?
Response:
1.23
